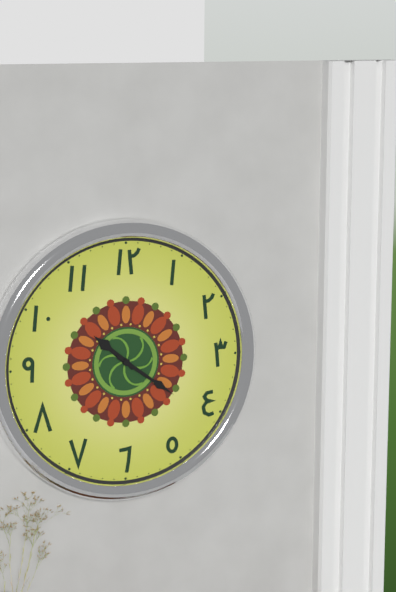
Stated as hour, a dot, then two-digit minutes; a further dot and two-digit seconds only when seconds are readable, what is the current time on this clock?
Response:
10.21
